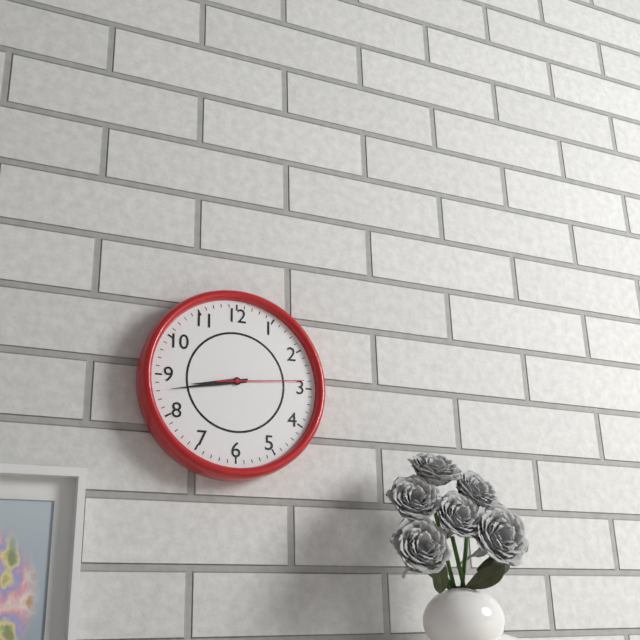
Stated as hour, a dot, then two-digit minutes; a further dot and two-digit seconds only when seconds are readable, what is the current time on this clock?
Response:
8.43.14
